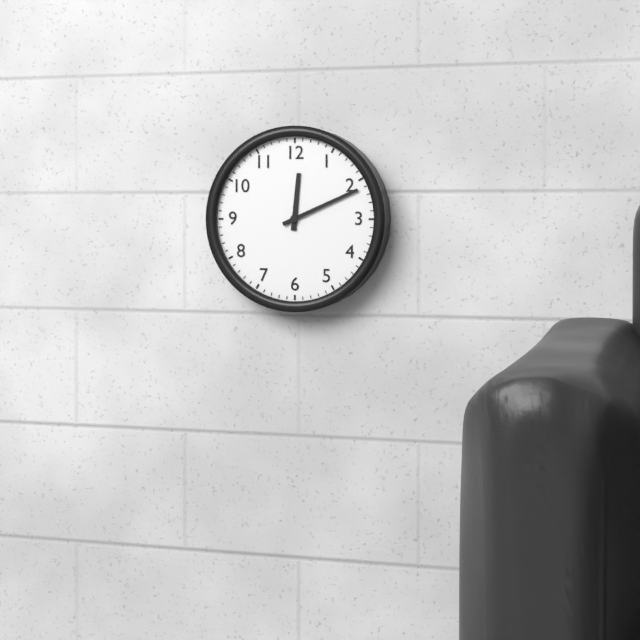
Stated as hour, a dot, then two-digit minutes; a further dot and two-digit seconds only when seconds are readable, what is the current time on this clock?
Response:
12.11
